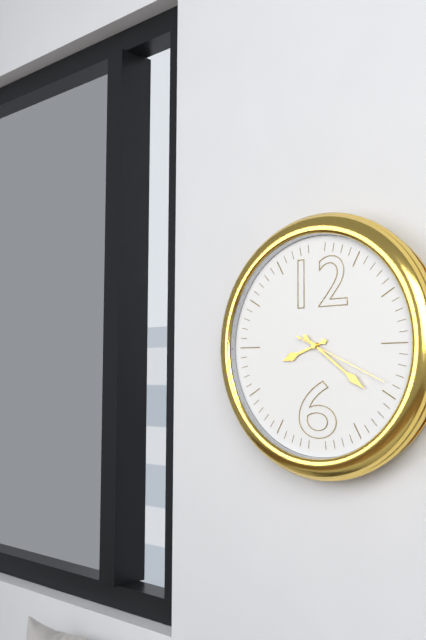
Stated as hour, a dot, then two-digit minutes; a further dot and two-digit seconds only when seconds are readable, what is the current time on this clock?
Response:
8.21.19
